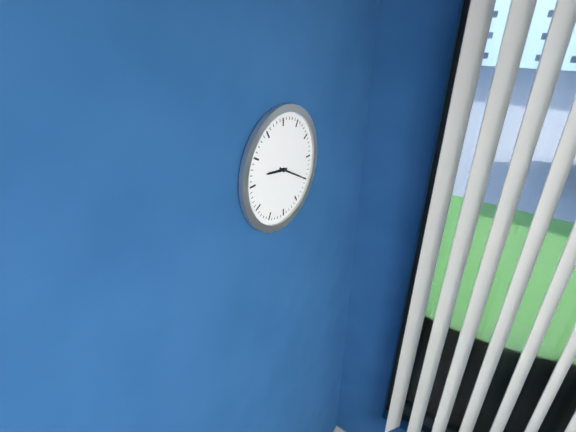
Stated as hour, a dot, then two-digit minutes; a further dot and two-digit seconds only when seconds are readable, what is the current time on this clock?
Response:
9.20
